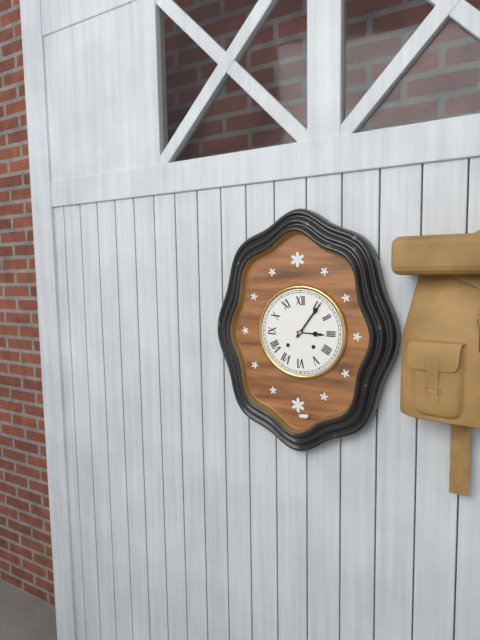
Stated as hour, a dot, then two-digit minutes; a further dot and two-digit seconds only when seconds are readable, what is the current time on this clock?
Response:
3.06
